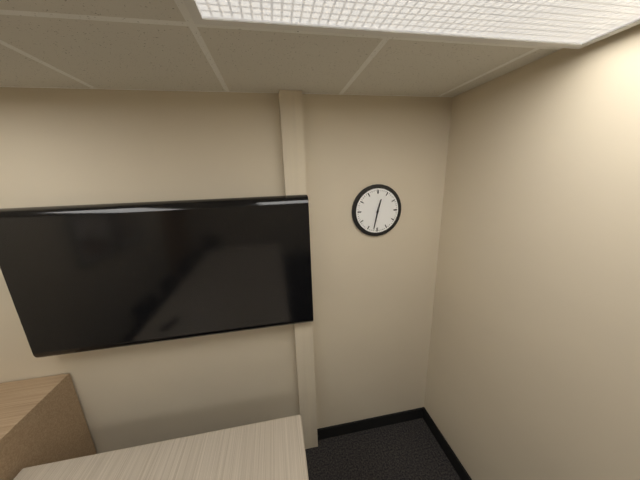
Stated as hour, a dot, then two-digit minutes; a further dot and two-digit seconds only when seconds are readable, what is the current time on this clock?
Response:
12.32
